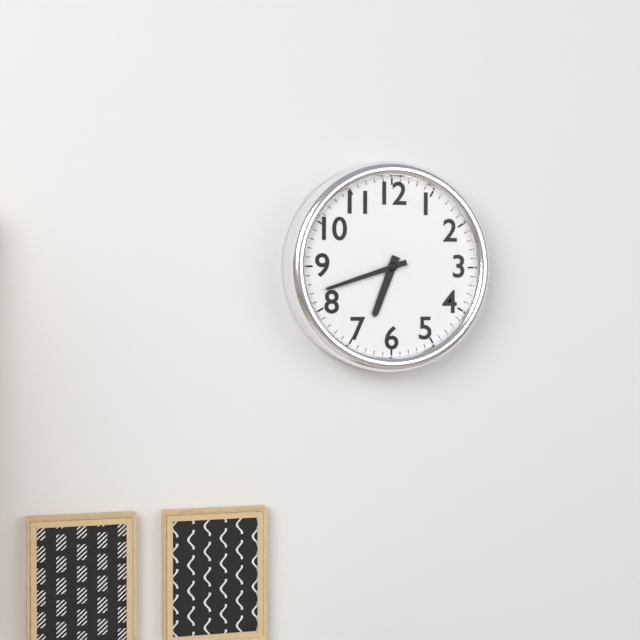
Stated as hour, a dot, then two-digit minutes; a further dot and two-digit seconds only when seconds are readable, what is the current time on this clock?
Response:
6.42
